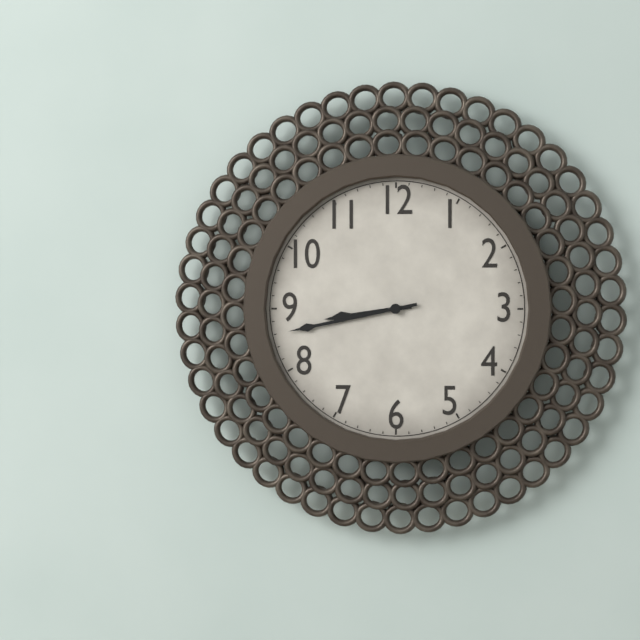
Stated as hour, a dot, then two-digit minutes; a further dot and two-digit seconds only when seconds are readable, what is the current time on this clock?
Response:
8.43
